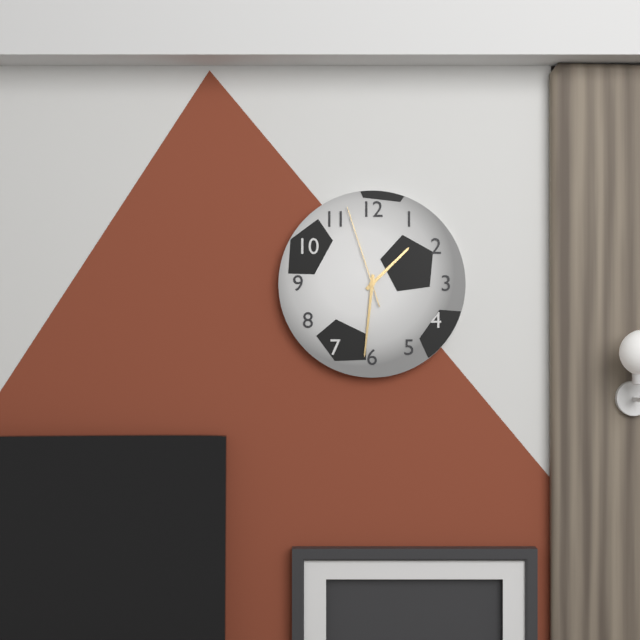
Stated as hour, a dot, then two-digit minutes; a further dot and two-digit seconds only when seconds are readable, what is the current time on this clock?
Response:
1.31.57
